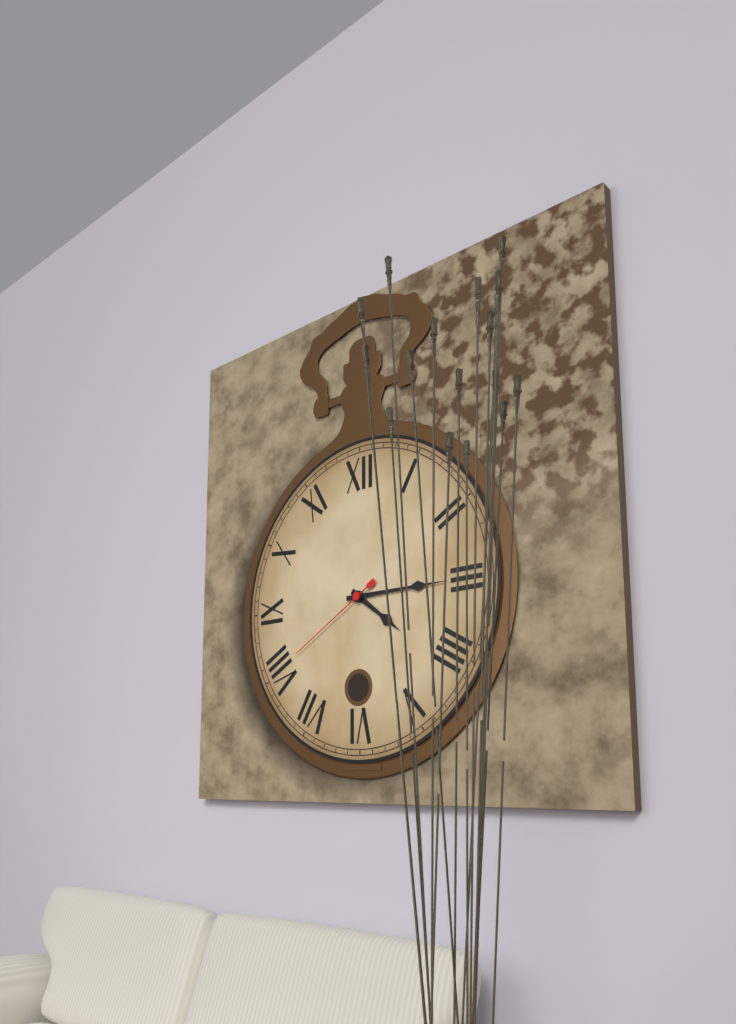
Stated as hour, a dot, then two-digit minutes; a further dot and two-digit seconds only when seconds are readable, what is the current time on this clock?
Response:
4.15.40
